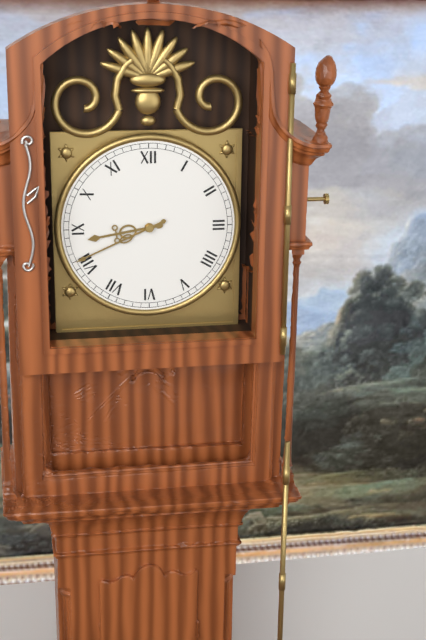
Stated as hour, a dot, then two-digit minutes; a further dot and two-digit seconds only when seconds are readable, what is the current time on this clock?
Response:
8.41
